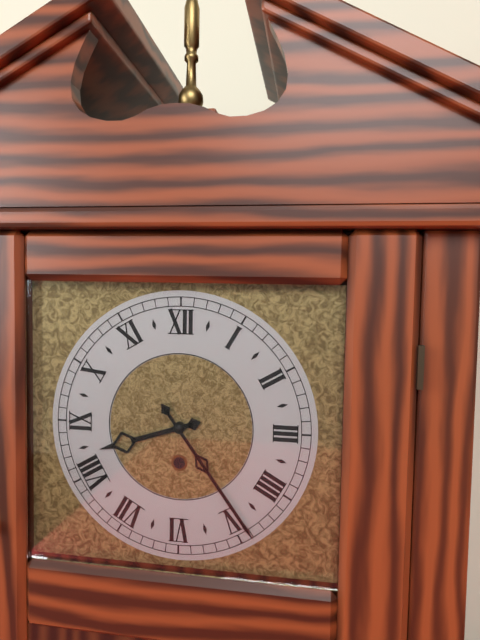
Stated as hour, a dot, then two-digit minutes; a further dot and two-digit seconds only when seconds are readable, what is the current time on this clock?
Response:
8.24
